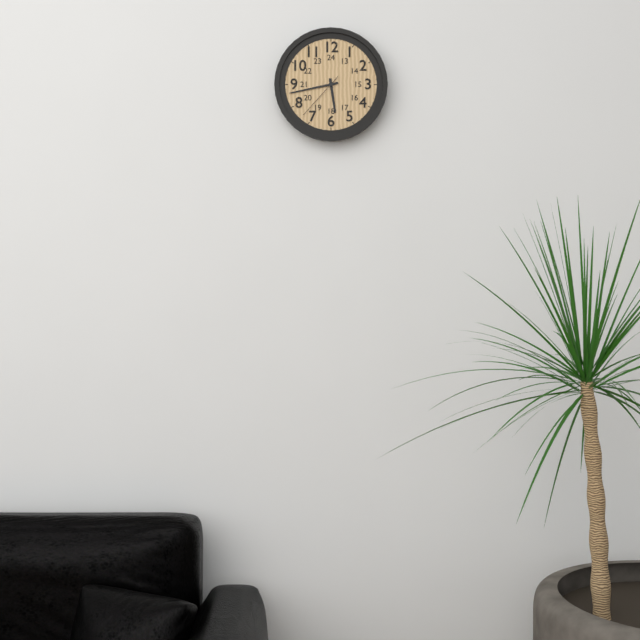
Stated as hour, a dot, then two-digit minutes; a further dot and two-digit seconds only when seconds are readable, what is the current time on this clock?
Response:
5.43.37
